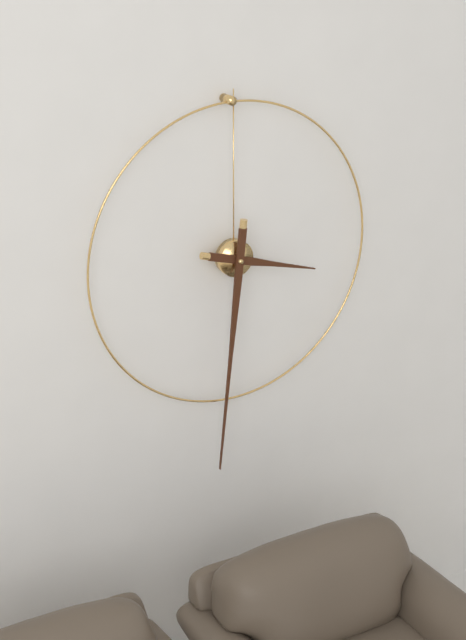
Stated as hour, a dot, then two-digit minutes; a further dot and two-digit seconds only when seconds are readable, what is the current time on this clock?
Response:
3.31
